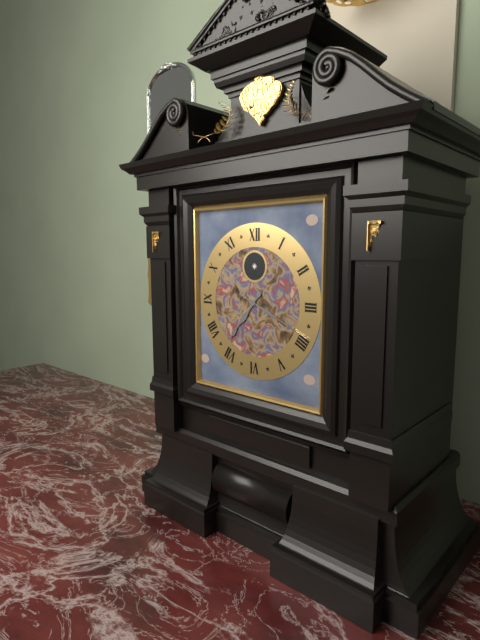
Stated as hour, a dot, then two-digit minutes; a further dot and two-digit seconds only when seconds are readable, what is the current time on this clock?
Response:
7.19
